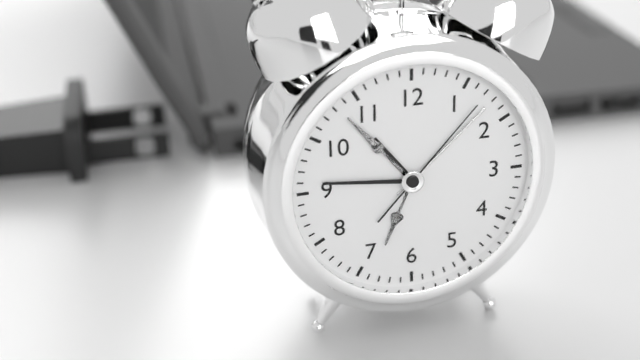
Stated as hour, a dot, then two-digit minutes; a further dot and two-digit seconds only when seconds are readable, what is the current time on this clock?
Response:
10.46.07
